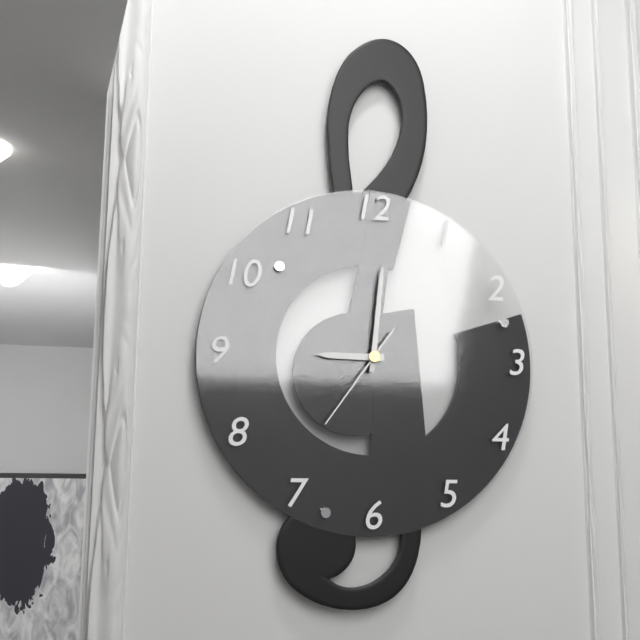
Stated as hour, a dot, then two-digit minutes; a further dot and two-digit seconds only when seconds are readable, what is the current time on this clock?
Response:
9.01.36
